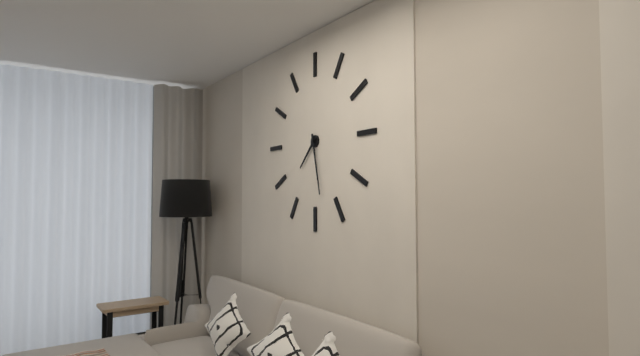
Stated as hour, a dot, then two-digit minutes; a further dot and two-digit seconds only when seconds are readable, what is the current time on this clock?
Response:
7.28
